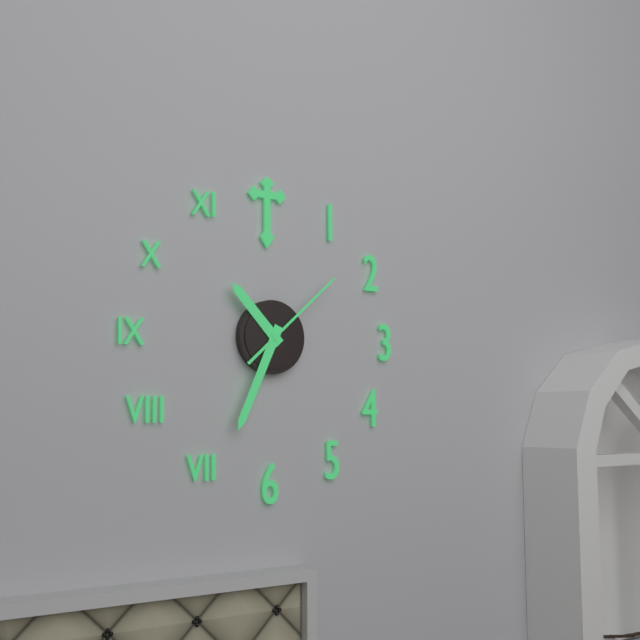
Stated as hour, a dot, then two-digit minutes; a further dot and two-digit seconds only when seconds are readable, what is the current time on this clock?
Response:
10.34.08
